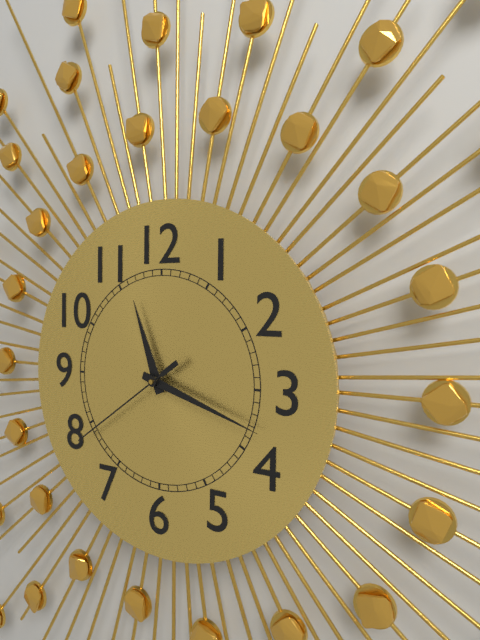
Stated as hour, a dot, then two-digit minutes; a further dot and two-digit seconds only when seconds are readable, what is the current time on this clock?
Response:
11.18.39
